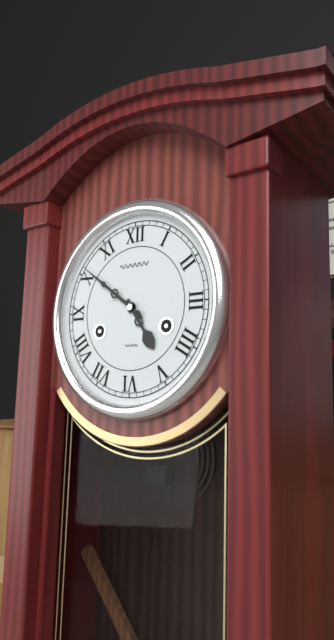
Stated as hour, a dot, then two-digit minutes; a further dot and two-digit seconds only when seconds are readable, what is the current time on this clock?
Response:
4.51
